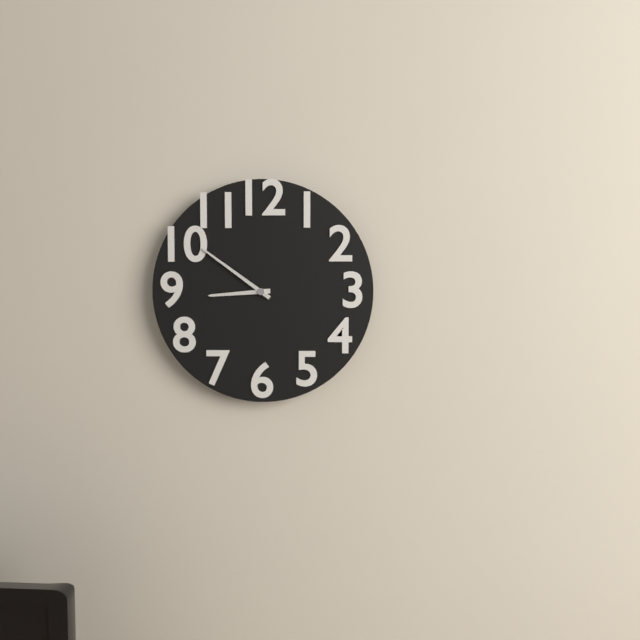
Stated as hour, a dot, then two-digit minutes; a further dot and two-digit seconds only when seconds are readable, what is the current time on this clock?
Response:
8.51
